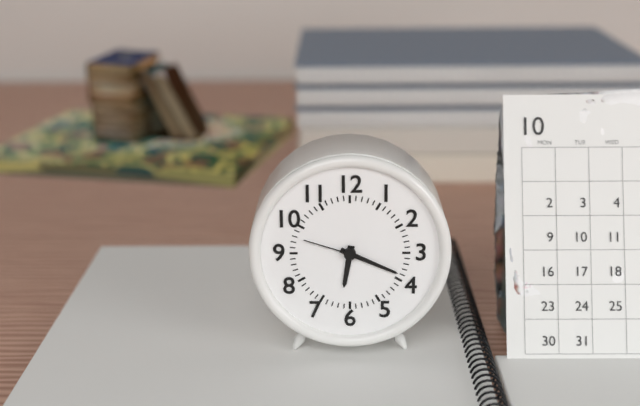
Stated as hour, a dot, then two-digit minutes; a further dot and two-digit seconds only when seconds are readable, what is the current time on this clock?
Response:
6.19.48
